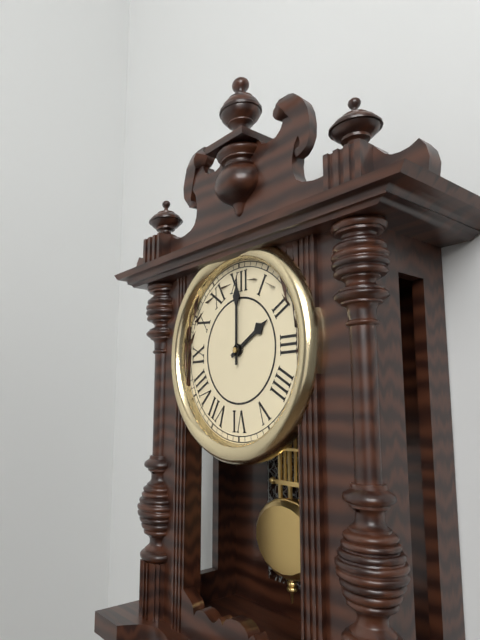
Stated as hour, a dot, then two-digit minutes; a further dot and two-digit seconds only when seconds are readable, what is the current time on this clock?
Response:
2.00
